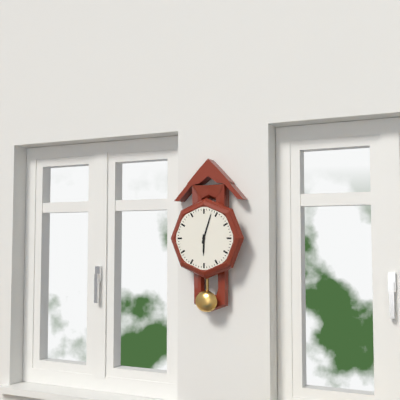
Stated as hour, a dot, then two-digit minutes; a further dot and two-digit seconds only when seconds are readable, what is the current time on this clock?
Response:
6.03
